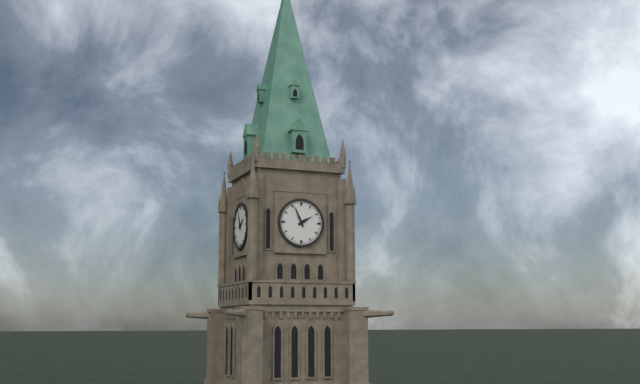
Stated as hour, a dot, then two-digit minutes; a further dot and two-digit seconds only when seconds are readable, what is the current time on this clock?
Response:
1.56
